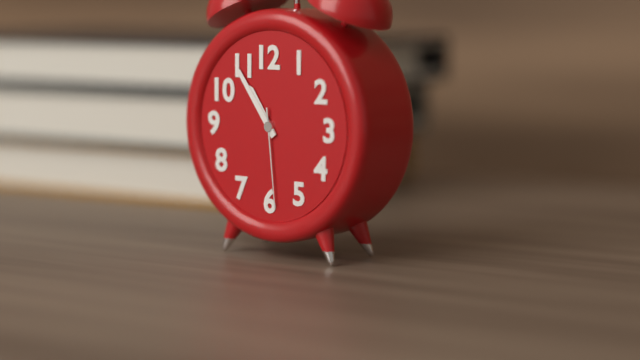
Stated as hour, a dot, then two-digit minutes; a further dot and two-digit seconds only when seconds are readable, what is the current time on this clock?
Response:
10.54.29
